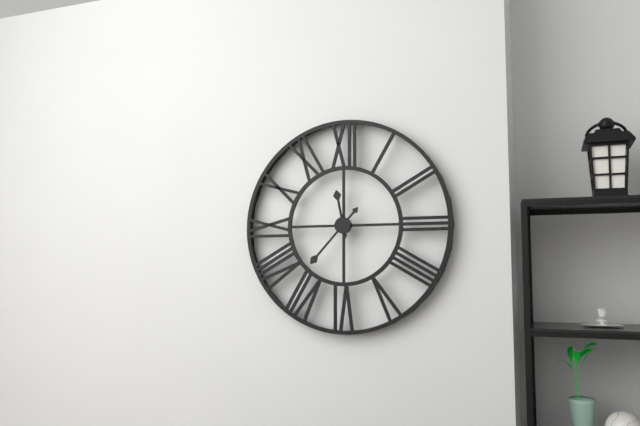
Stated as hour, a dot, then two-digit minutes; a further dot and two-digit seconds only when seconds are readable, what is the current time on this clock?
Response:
11.37
